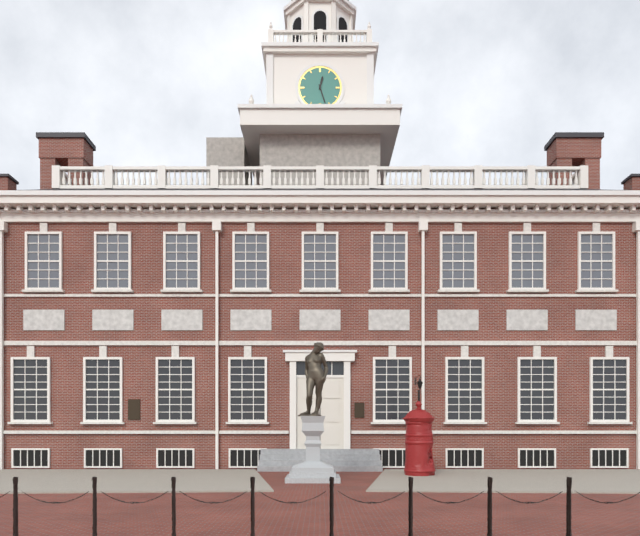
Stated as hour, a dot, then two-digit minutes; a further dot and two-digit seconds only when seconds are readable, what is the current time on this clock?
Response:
12.27
